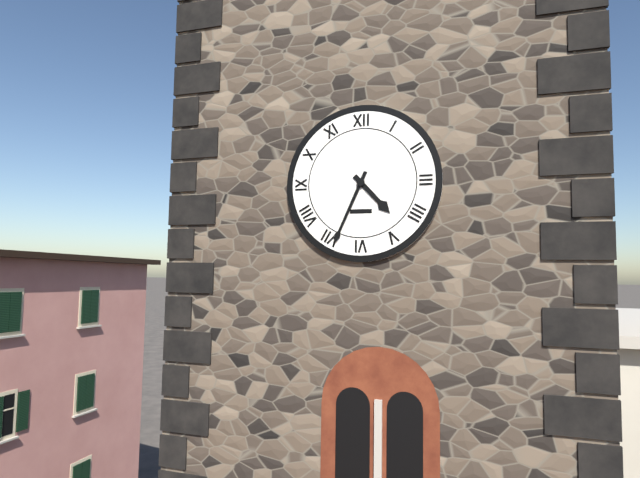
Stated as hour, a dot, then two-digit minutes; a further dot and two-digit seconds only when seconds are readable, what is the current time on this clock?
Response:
4.34
